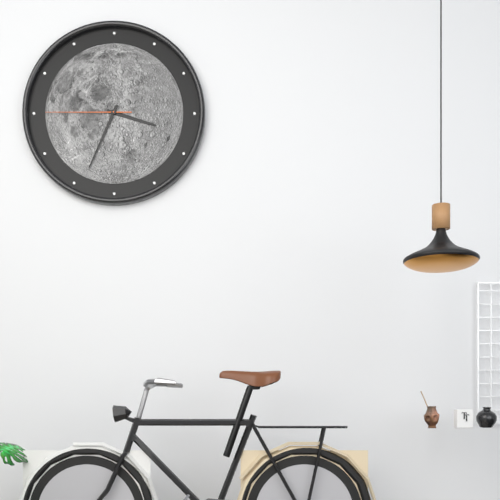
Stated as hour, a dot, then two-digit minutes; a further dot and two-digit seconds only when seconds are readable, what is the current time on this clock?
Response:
3.34.45
